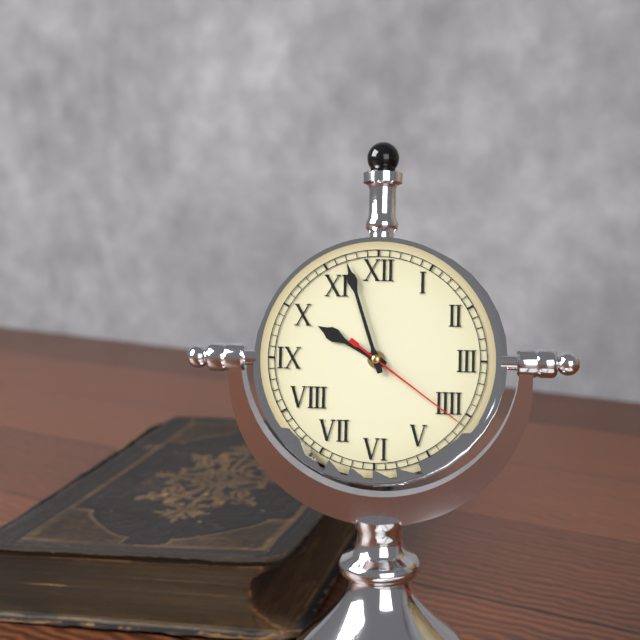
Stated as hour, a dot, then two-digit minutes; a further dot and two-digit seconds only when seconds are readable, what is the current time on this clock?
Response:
9.57.21
